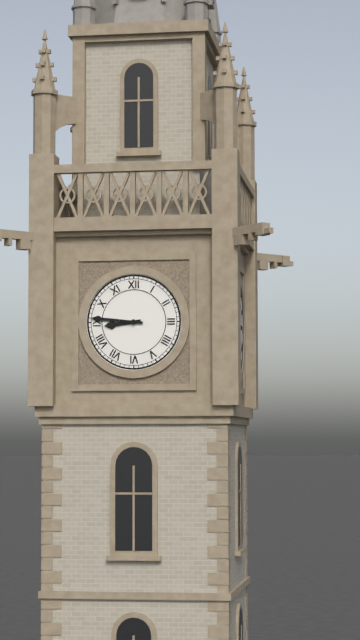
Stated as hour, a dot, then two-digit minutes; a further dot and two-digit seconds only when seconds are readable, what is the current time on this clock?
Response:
8.46
